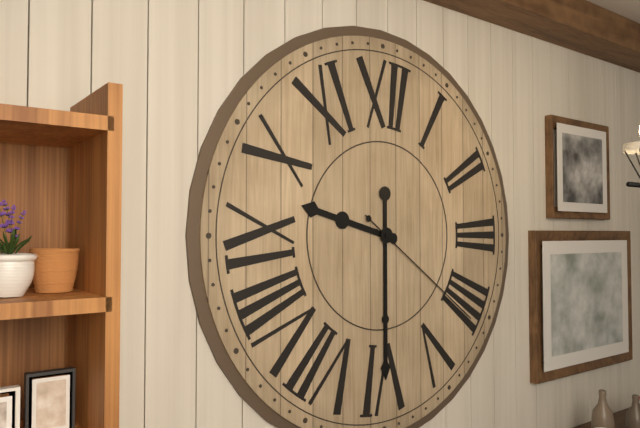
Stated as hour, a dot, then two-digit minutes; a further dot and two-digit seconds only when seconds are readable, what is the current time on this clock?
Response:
9.30.21
